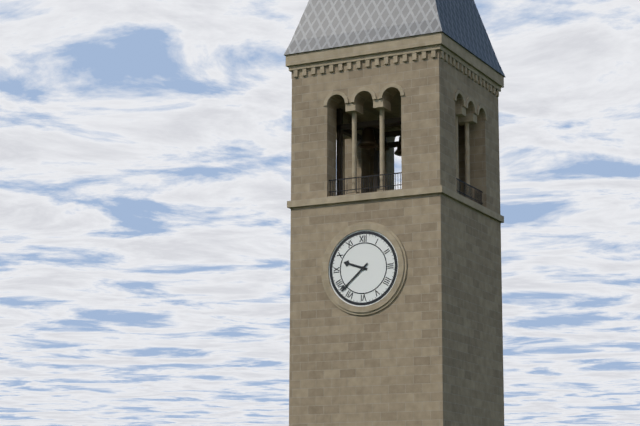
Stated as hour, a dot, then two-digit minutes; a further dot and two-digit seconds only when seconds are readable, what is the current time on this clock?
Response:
9.38
